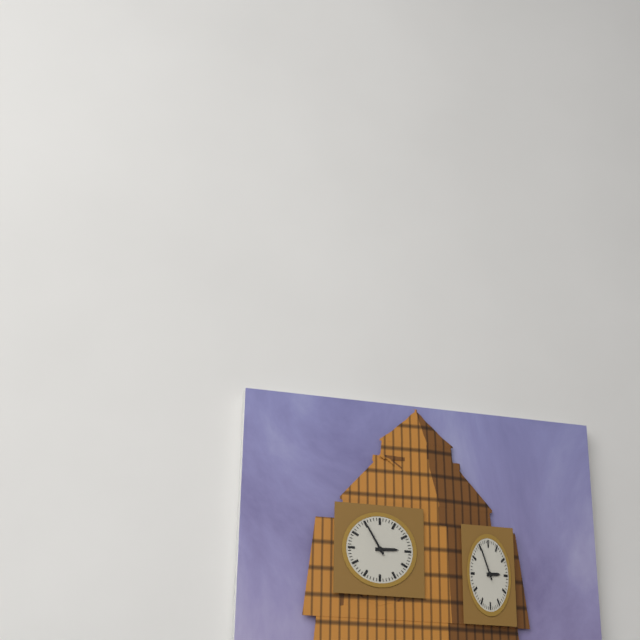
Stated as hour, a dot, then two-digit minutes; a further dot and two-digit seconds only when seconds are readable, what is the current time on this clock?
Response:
2.55
